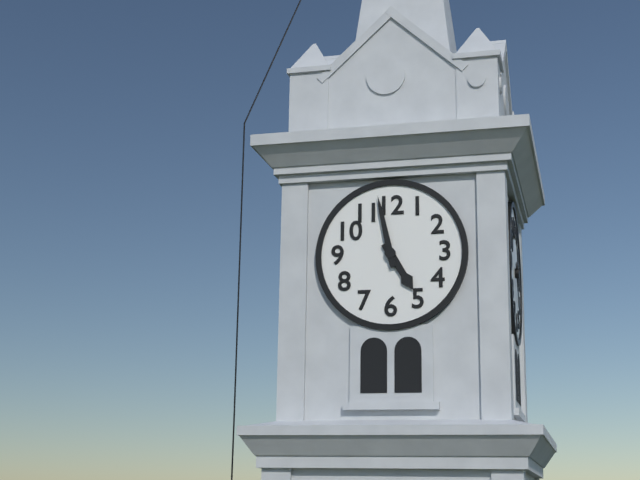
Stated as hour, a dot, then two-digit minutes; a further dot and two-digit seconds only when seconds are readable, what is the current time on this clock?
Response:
4.58
